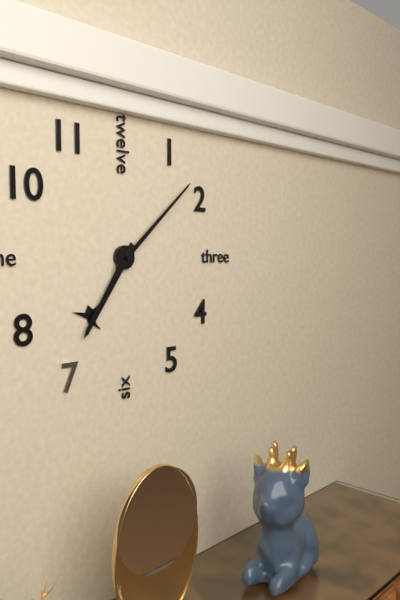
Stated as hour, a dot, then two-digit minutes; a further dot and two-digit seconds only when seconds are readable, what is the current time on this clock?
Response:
7.08
